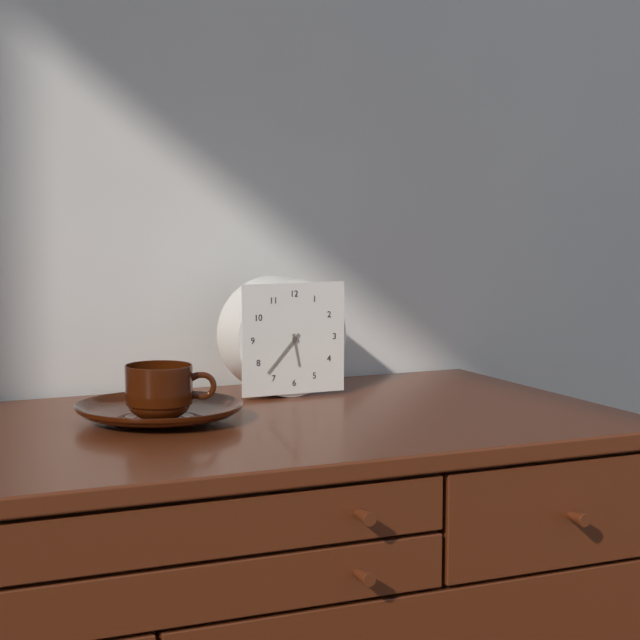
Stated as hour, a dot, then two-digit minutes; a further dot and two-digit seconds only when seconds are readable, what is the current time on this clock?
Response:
5.37
